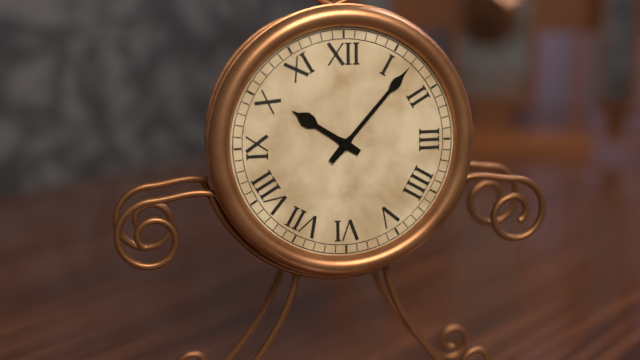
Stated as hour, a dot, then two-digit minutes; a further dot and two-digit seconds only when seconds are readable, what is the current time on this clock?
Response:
10.07
